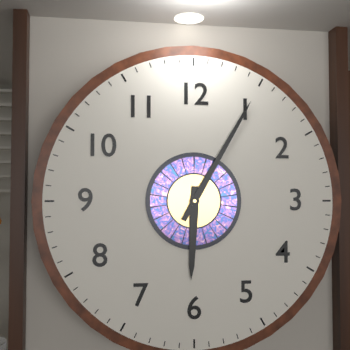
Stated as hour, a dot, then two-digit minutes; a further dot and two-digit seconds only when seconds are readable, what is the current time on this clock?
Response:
6.05
